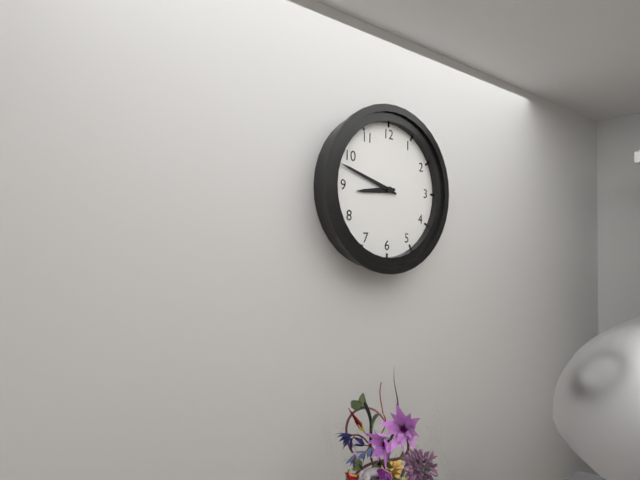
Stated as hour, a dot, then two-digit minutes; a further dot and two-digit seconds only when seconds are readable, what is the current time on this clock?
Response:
8.48
